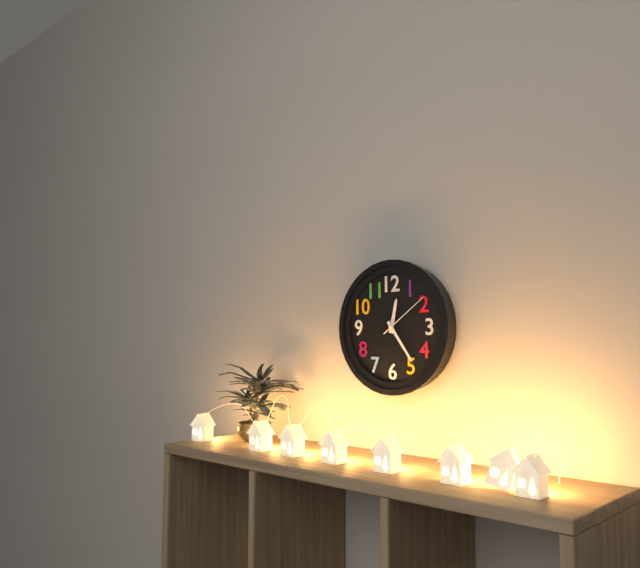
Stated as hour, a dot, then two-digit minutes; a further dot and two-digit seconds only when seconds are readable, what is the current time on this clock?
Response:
12.24.09
